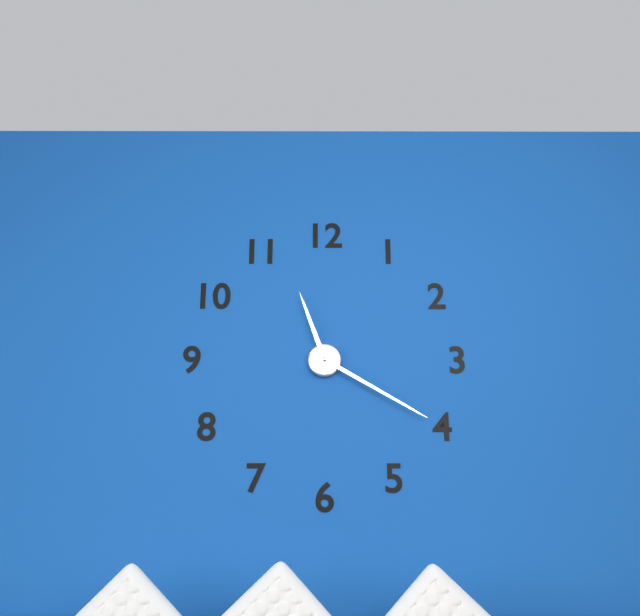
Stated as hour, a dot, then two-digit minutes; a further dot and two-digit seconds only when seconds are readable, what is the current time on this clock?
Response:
11.20
